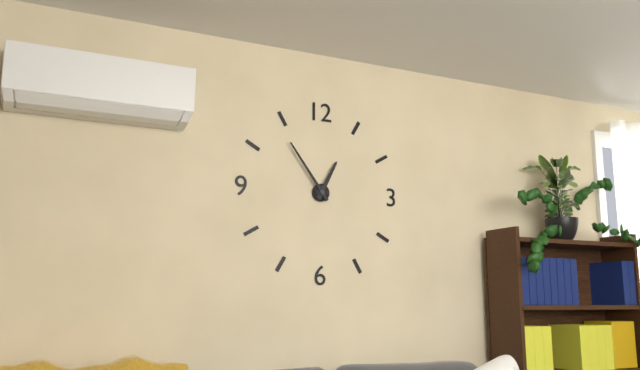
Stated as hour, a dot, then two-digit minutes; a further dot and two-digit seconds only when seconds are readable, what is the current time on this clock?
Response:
12.54
